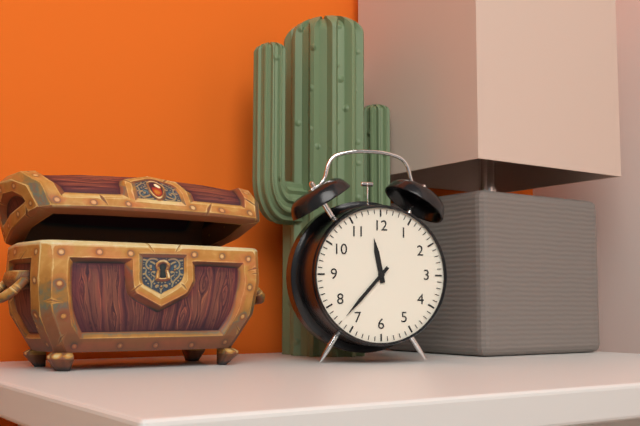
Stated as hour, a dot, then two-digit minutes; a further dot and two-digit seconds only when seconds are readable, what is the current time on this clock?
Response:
11.37
